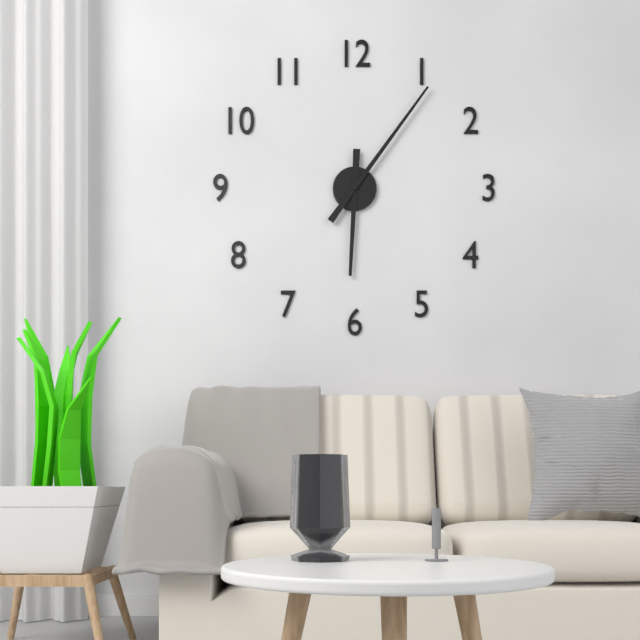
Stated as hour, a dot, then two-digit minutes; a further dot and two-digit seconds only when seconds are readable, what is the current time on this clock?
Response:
6.06
